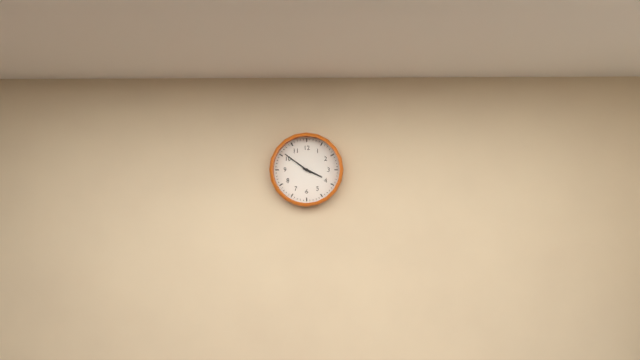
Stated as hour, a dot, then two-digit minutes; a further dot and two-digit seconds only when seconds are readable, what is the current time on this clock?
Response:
3.51
